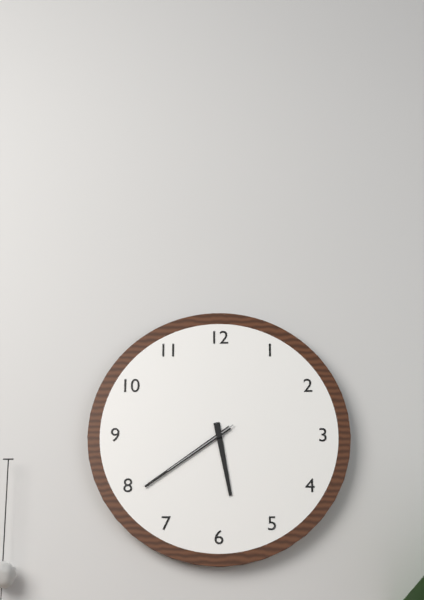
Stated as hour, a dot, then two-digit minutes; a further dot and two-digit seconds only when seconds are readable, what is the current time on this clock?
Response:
5.39.39
